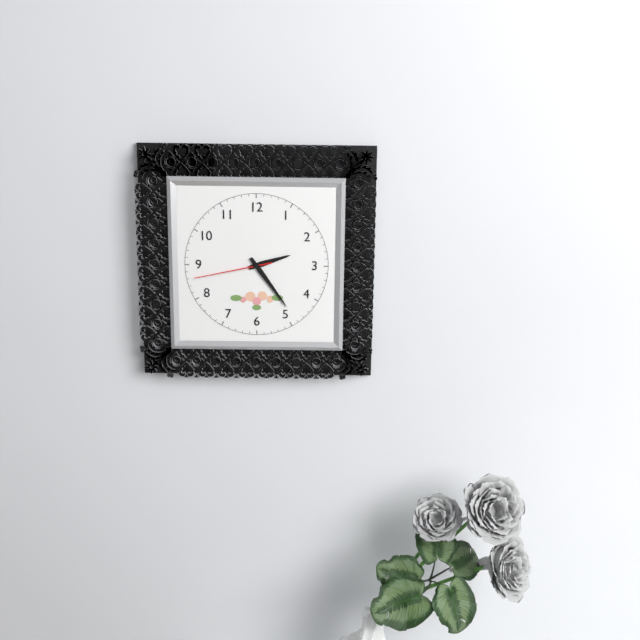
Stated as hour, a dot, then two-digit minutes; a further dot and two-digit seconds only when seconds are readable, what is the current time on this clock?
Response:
2.24.43
